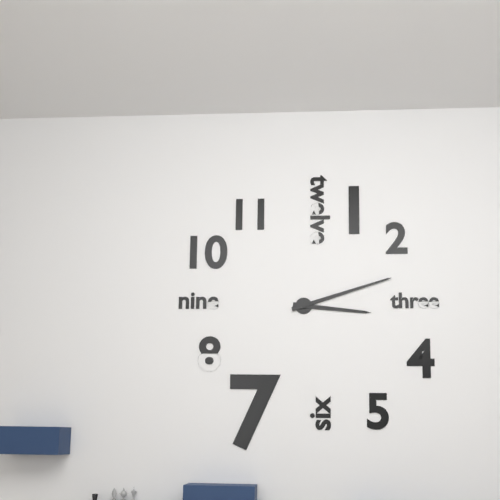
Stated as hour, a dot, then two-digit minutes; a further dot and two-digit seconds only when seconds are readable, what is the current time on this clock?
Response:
3.12
